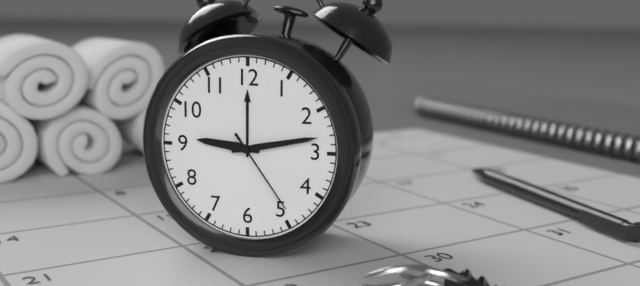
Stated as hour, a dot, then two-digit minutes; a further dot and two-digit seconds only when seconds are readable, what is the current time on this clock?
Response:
9.13.24
